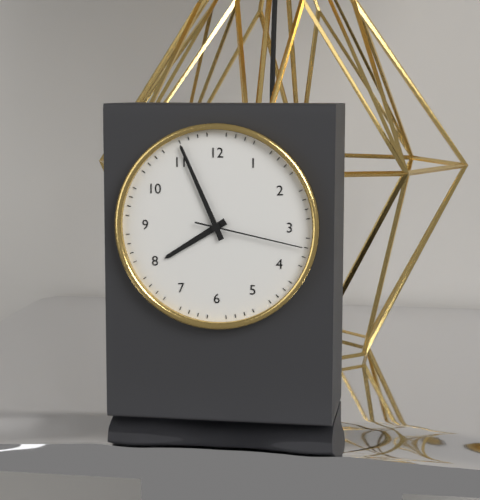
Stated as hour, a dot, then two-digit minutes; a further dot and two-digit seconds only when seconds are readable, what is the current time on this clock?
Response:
7.56.17
